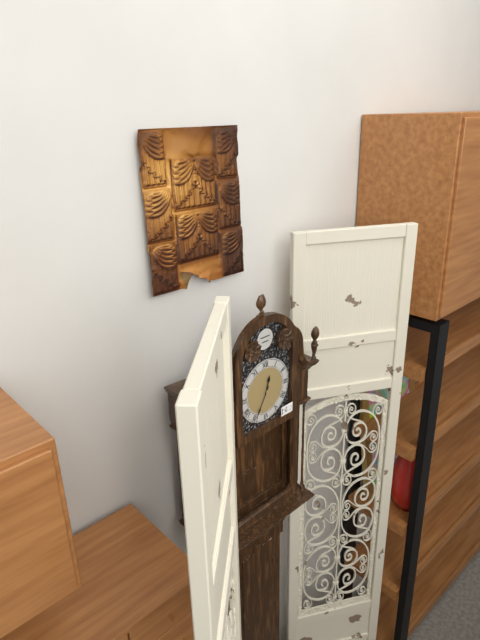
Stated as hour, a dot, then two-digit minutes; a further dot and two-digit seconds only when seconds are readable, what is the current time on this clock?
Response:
12.35
